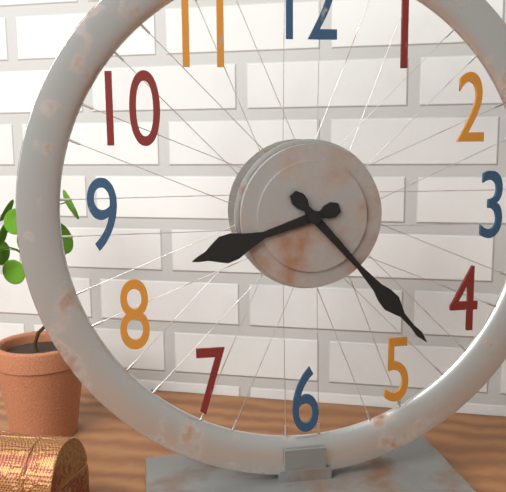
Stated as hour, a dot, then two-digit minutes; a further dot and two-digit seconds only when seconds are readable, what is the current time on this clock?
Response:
8.23
